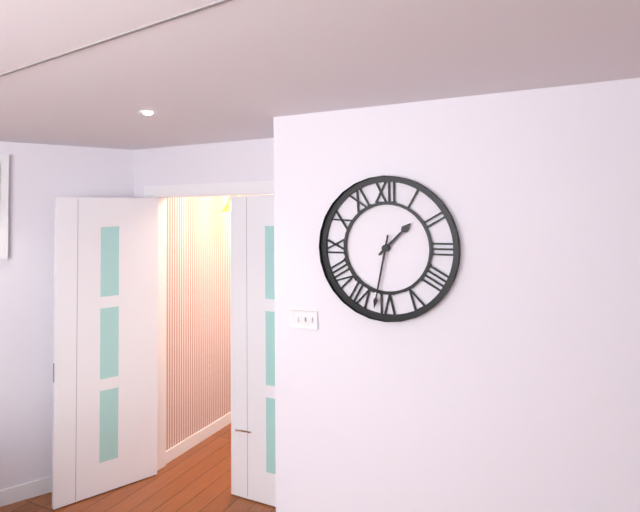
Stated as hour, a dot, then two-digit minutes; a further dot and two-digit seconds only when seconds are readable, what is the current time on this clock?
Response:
1.32
